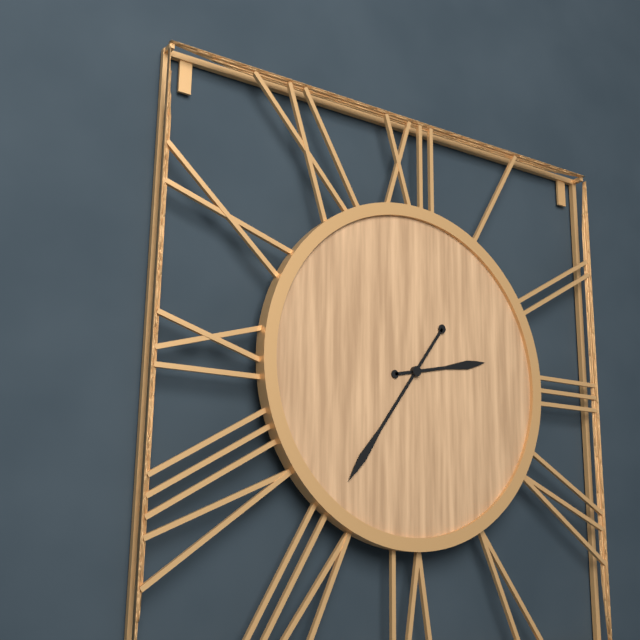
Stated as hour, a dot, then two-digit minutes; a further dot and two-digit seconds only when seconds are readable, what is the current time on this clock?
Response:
2.36
